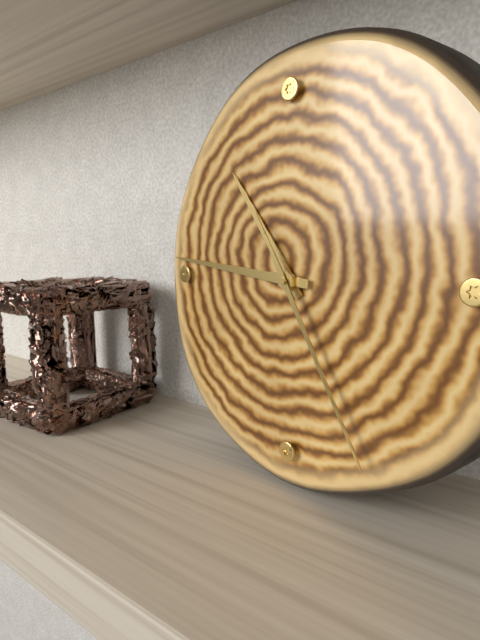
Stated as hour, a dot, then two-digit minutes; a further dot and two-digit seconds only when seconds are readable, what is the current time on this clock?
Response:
10.46.25
